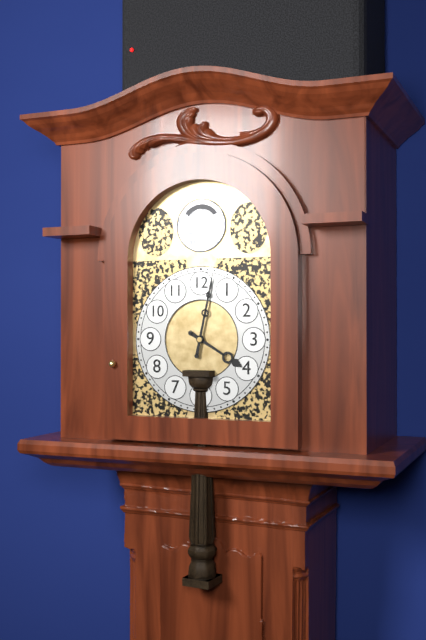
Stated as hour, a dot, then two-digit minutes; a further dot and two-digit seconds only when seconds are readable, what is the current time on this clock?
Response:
4.02
